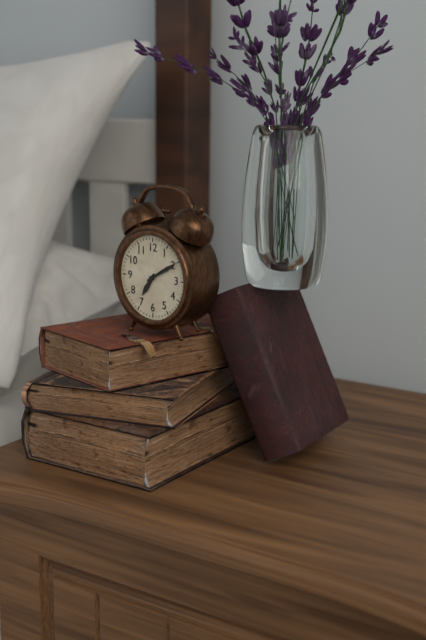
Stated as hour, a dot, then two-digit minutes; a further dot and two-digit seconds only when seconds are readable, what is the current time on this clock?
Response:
7.10
